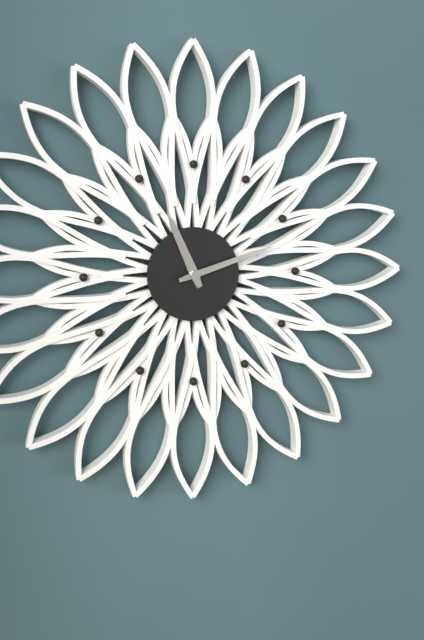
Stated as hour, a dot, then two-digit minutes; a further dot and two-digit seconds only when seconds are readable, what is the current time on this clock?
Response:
11.12
